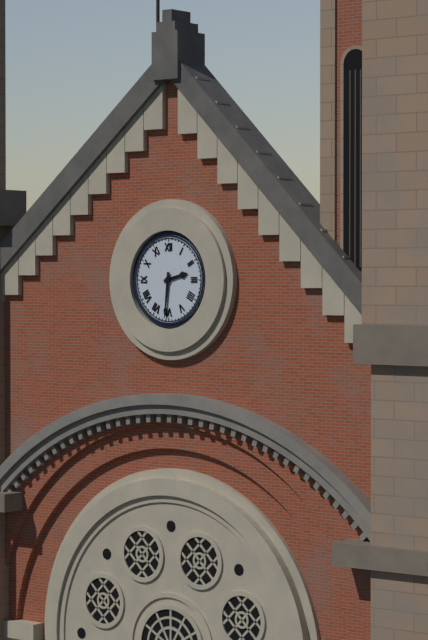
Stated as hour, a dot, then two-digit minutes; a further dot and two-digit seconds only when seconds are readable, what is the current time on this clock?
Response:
2.31
